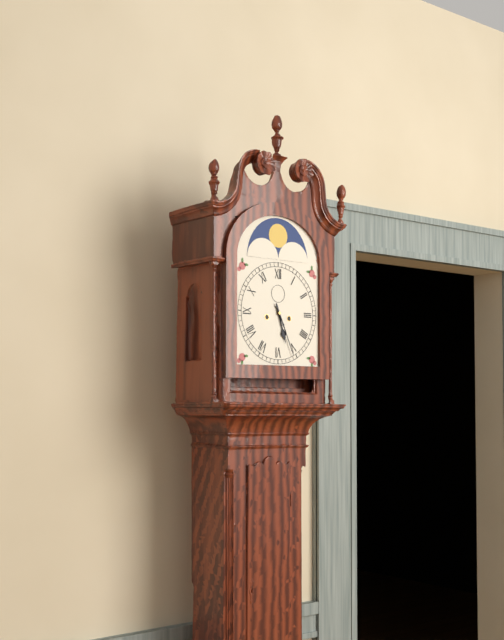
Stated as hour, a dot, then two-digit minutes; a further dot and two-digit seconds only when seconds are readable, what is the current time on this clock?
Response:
5.26
